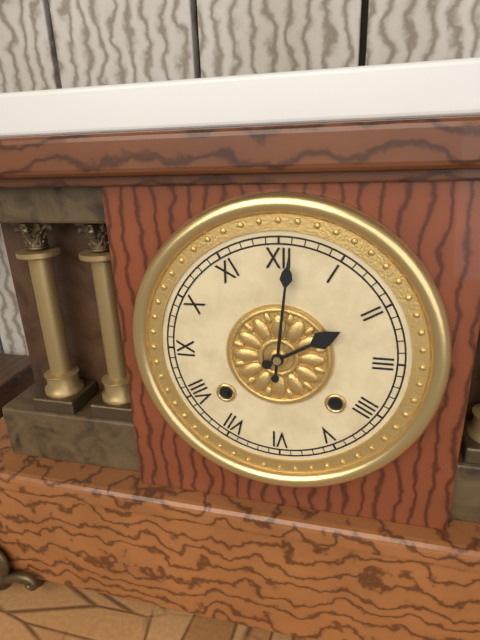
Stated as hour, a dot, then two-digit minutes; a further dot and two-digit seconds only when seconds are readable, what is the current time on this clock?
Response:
2.01
